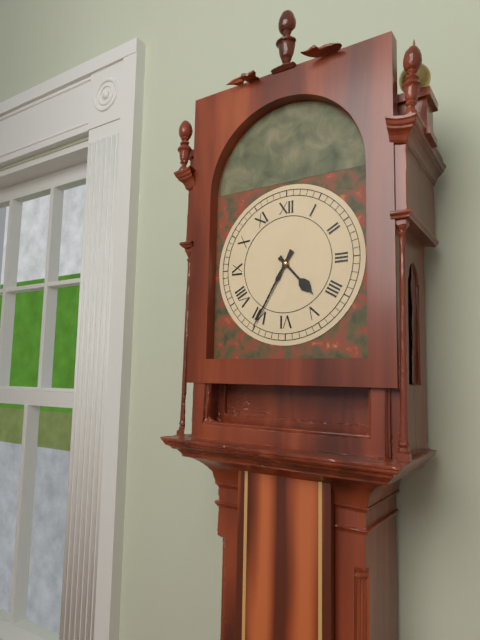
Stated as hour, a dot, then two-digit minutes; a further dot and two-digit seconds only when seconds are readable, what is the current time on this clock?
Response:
4.35
